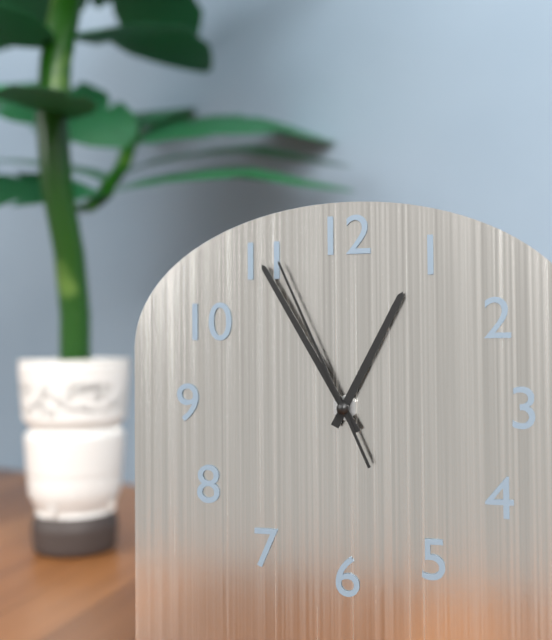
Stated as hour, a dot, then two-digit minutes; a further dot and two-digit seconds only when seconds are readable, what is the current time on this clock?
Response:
12.55.56
